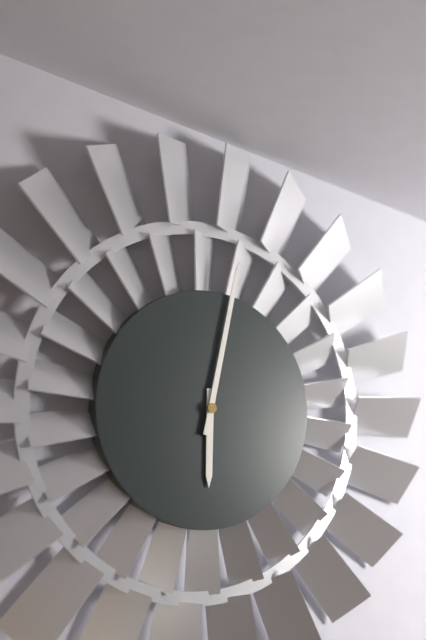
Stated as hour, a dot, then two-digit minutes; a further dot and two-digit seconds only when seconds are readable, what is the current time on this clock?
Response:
6.02
